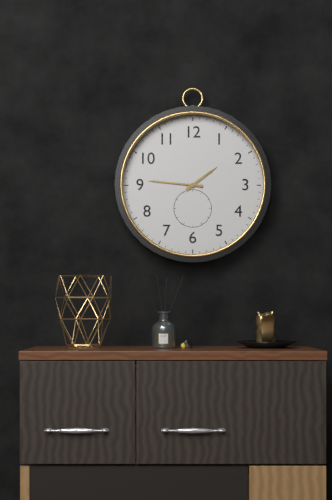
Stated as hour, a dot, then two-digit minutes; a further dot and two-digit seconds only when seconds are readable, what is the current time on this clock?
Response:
1.46
